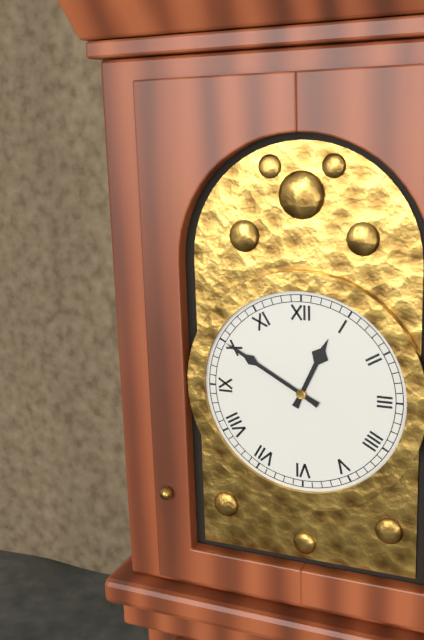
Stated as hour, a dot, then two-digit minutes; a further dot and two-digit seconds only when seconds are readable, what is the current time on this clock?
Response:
12.50
